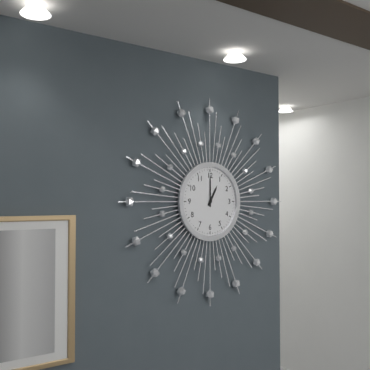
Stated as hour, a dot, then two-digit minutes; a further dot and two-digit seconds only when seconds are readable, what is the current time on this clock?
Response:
1.00
